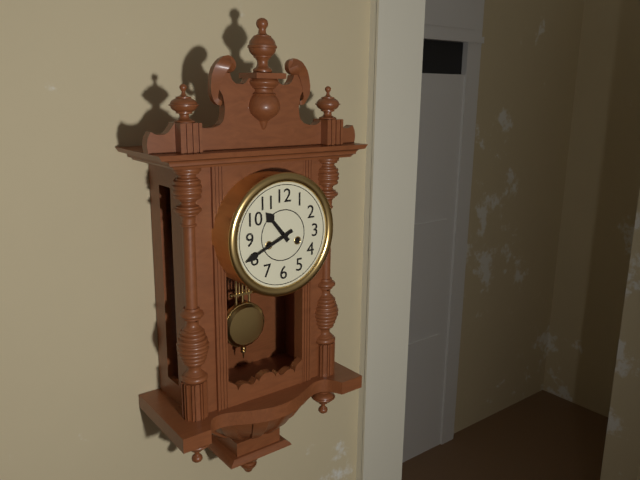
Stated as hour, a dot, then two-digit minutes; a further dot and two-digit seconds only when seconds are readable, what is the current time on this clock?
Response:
10.41
